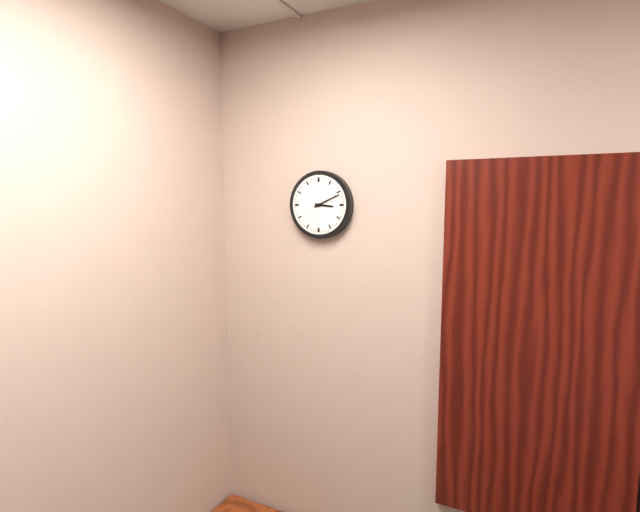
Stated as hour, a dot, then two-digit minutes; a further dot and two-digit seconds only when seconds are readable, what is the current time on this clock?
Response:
3.11
